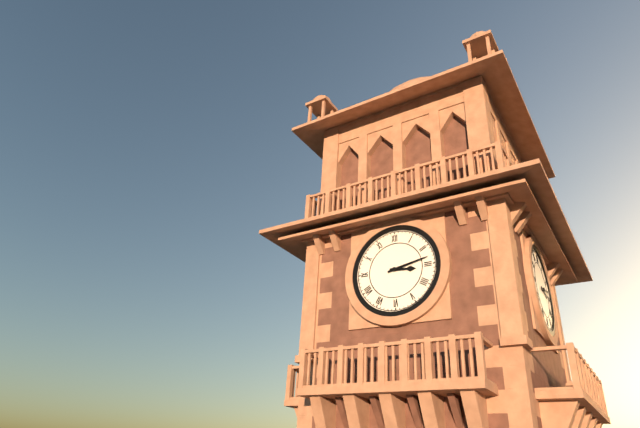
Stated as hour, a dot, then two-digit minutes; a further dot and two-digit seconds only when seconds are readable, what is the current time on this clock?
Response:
3.13
